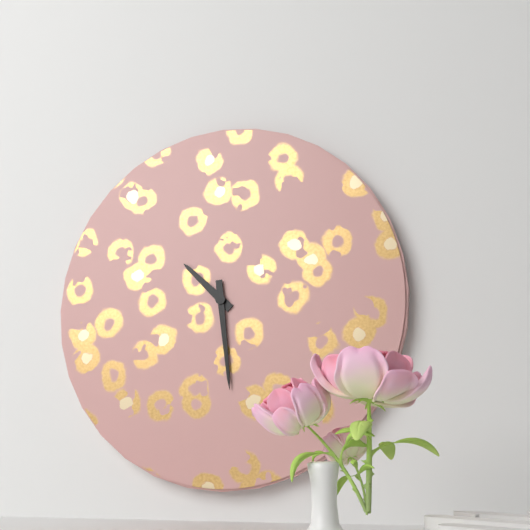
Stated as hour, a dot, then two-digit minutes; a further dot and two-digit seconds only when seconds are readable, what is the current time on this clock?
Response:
10.29
